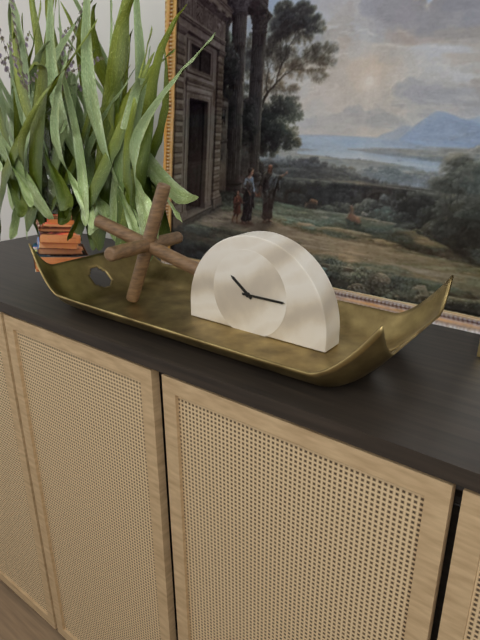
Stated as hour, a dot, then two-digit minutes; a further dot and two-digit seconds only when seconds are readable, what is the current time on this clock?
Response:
10.15
